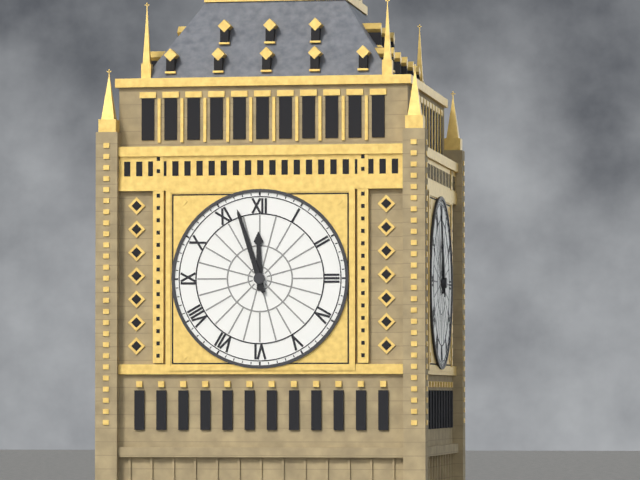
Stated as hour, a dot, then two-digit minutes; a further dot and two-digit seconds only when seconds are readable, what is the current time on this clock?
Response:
11.57
